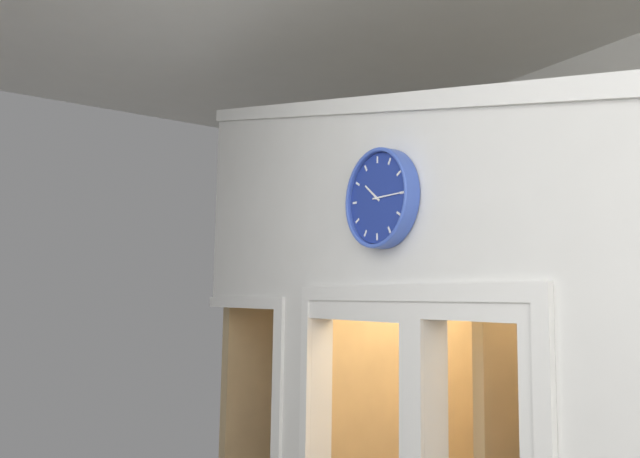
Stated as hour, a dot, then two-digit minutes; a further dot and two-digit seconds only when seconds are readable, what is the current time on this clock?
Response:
10.15
